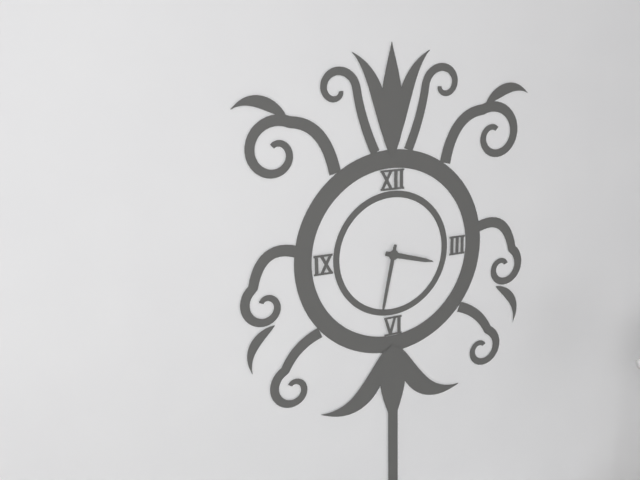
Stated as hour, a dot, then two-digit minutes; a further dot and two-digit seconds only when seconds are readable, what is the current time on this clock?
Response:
3.32
